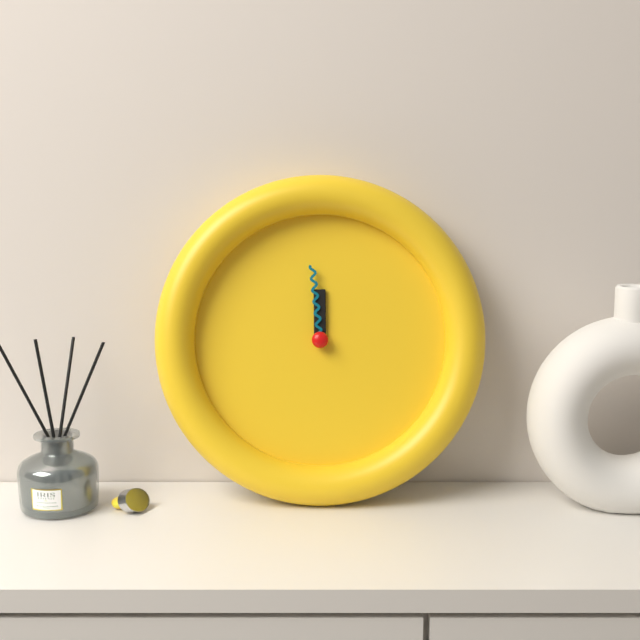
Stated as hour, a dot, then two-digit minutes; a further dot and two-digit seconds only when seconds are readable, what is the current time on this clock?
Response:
11.59
